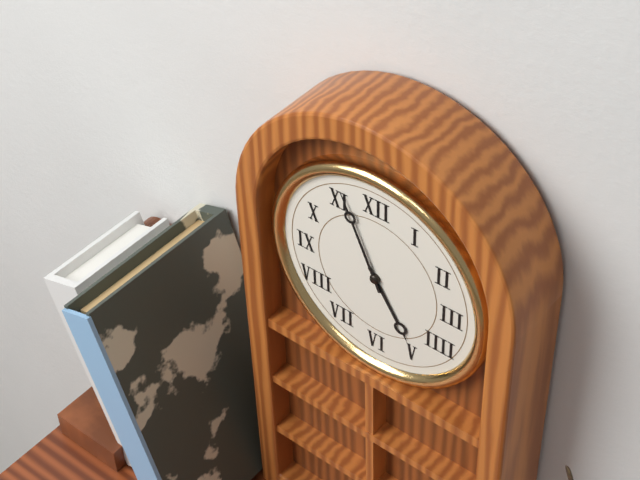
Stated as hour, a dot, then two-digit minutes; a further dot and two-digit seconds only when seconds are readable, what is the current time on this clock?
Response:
4.56
